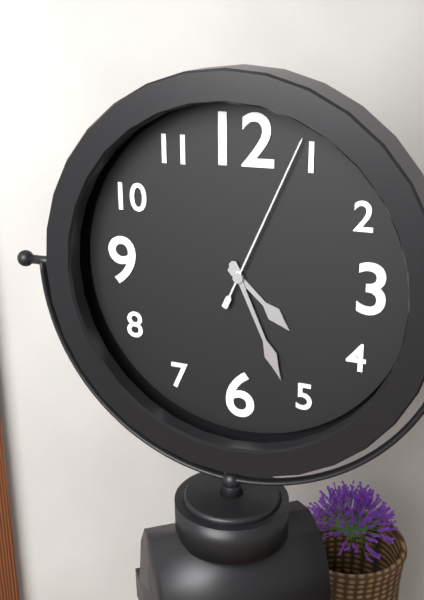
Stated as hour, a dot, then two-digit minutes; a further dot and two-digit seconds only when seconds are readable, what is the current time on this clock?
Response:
4.26.04
